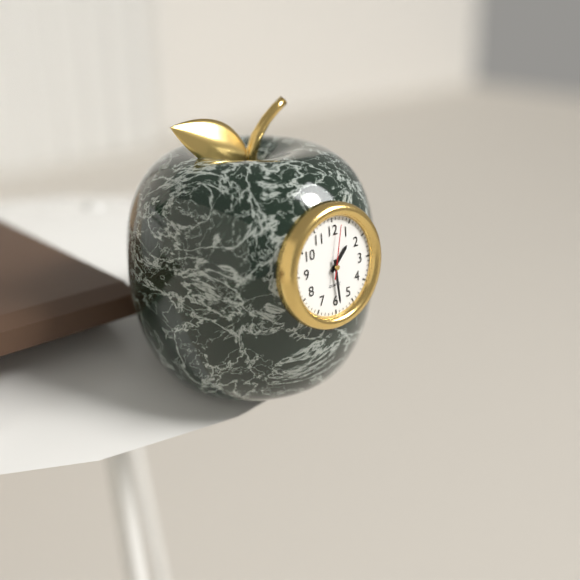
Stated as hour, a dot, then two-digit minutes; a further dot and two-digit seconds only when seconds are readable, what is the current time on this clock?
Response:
1.29.02
